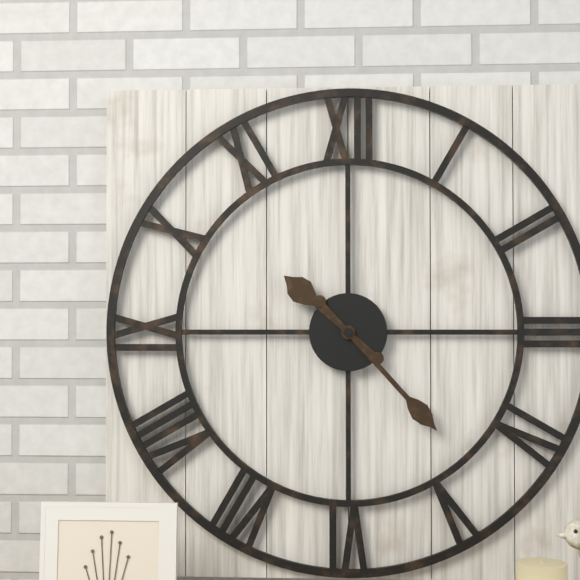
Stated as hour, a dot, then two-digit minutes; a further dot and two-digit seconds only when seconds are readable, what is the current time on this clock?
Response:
10.23
